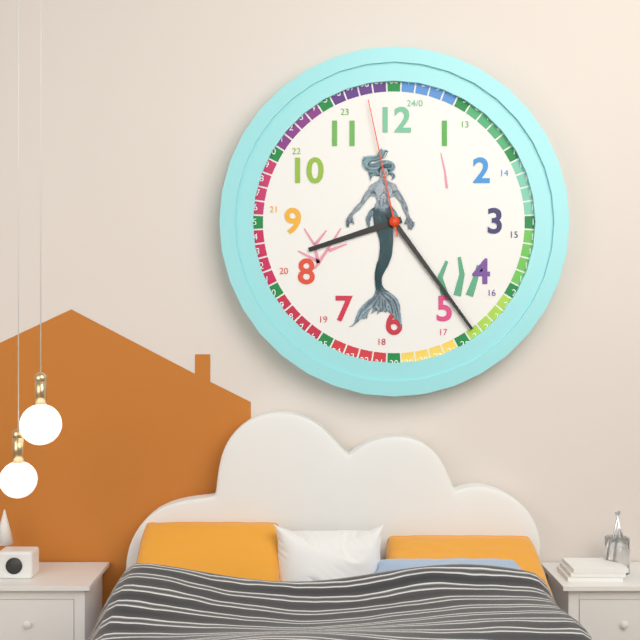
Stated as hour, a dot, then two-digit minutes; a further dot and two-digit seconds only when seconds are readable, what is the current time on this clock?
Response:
8.24.58
